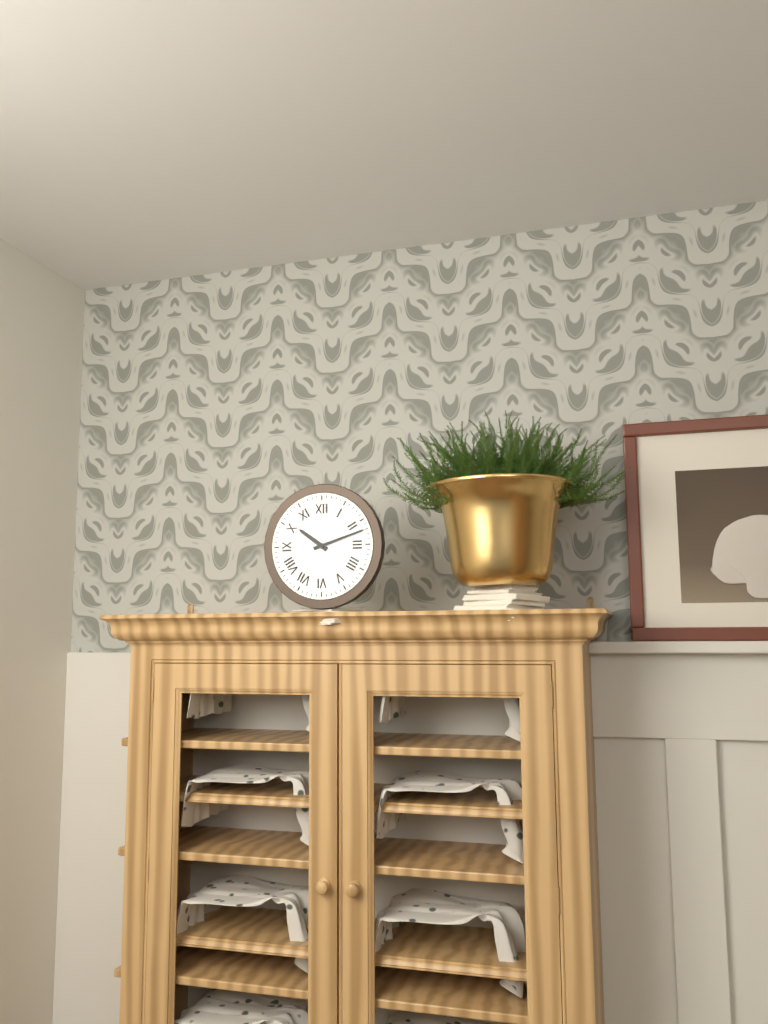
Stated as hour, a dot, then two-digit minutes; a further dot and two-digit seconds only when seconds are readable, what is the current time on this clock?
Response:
10.12
